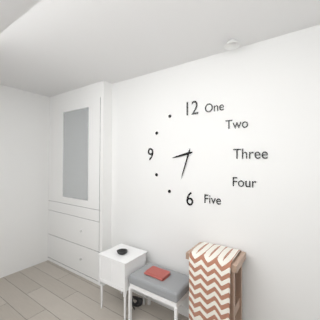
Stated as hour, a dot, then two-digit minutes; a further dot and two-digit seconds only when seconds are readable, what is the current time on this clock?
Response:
8.33
